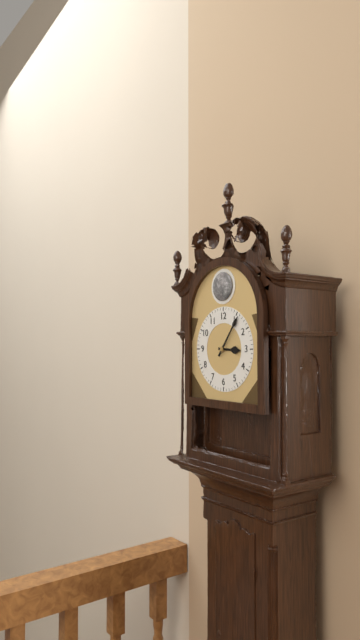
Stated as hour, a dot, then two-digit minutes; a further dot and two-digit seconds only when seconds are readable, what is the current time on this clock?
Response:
3.06
